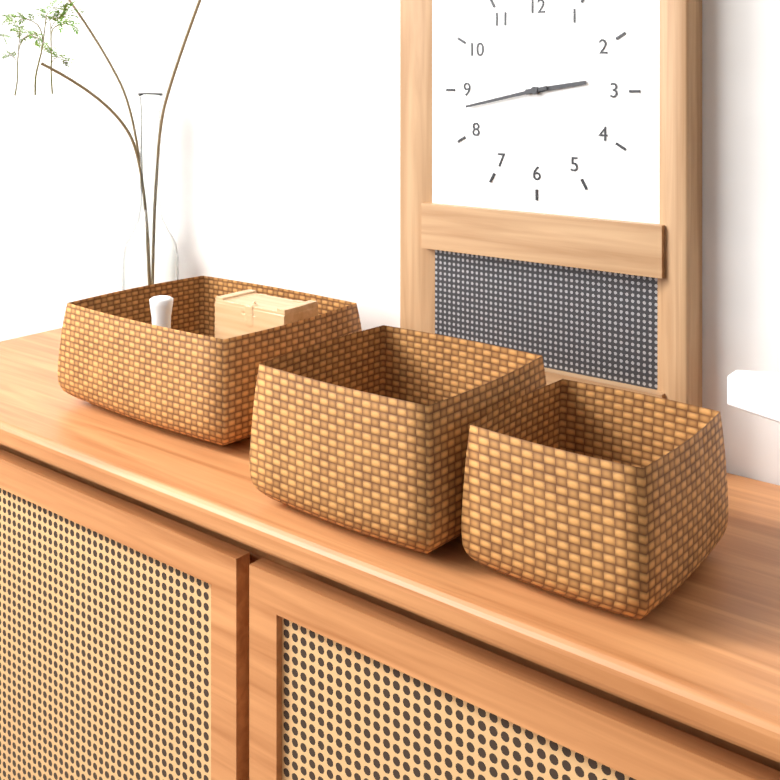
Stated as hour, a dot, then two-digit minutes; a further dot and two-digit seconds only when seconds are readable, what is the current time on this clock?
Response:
2.43
